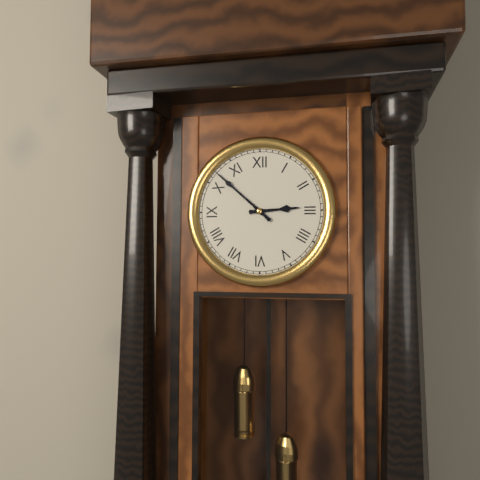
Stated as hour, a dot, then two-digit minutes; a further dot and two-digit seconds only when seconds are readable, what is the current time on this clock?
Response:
2.52
